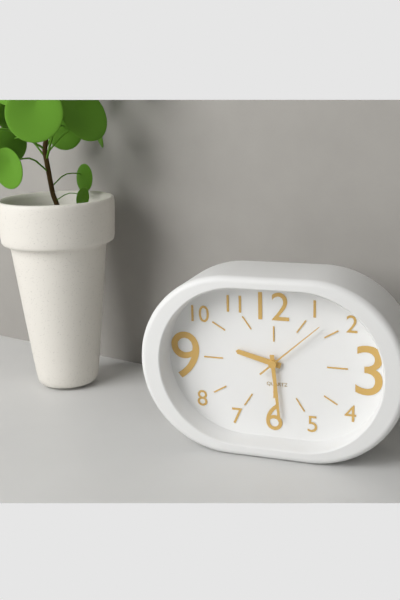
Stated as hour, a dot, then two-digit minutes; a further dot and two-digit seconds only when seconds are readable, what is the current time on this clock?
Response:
9.29.08
